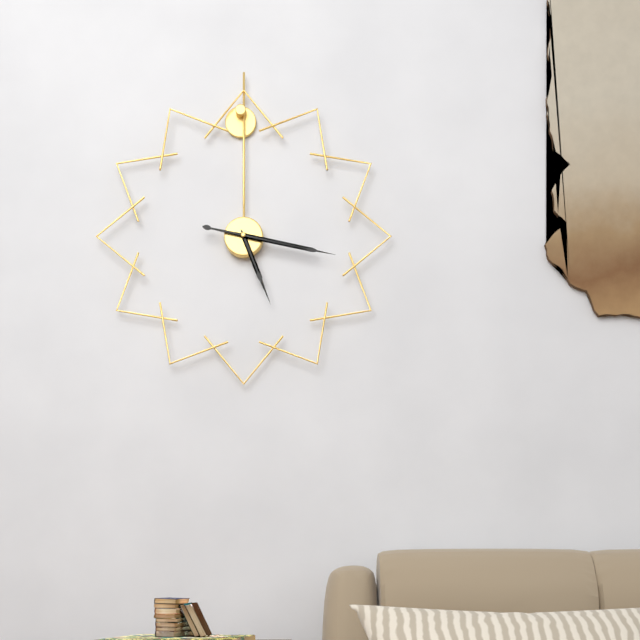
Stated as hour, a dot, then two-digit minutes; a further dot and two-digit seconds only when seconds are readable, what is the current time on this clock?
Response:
5.17
